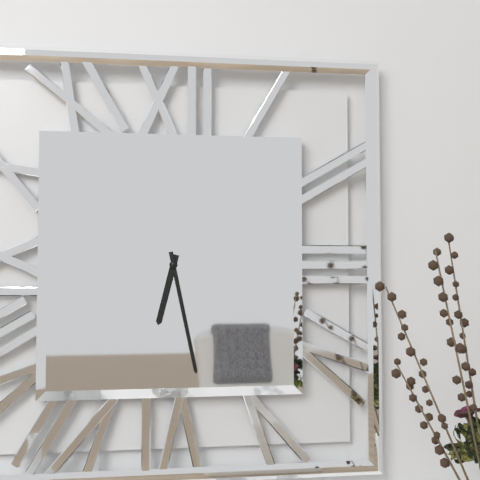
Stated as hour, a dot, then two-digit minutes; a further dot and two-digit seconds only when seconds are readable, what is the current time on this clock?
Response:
6.28
